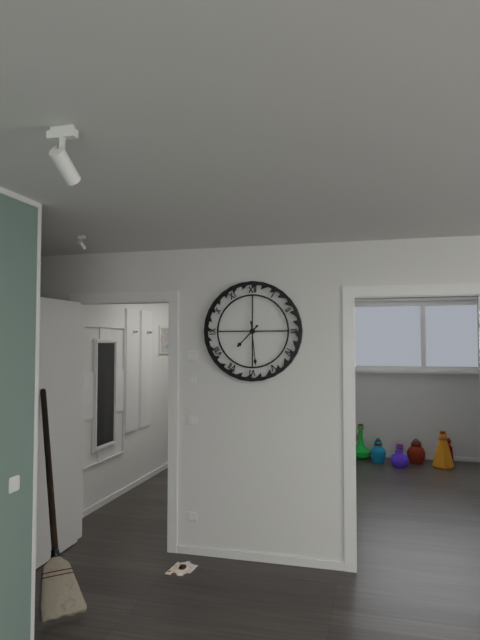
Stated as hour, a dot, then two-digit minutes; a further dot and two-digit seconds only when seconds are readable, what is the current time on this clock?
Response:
7.29
